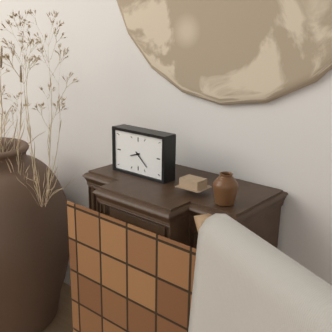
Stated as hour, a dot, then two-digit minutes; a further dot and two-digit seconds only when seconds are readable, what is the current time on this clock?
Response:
8.22
